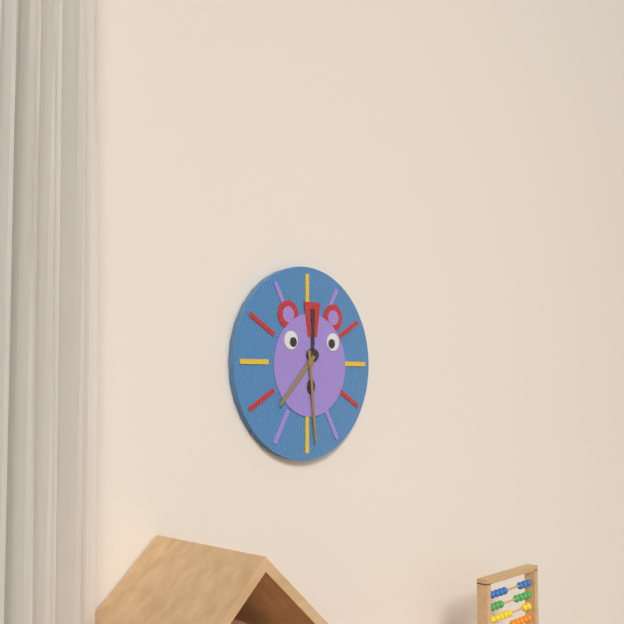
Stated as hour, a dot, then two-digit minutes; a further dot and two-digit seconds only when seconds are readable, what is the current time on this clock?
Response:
7.29
